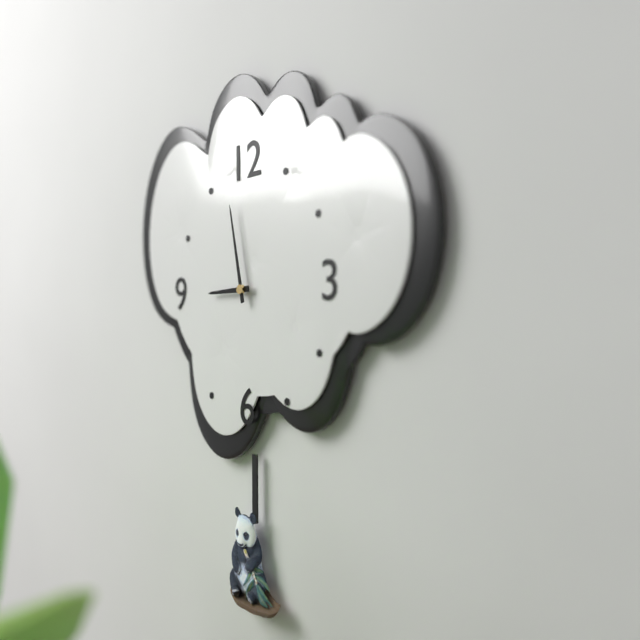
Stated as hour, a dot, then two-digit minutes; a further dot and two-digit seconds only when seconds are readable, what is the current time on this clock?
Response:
8.58
